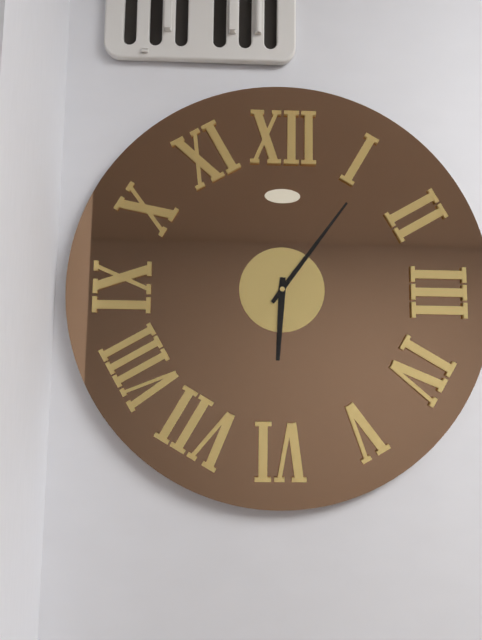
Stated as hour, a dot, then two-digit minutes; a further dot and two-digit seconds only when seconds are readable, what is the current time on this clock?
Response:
6.06
